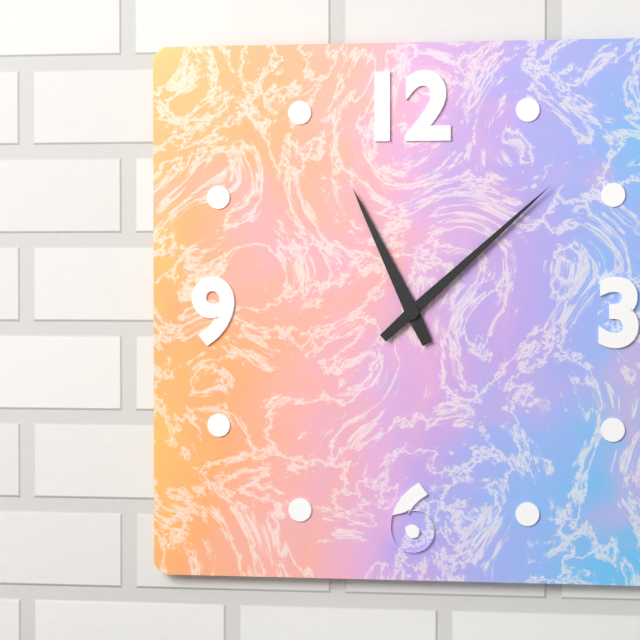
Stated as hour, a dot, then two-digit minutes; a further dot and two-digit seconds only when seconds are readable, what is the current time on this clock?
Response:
11.08
